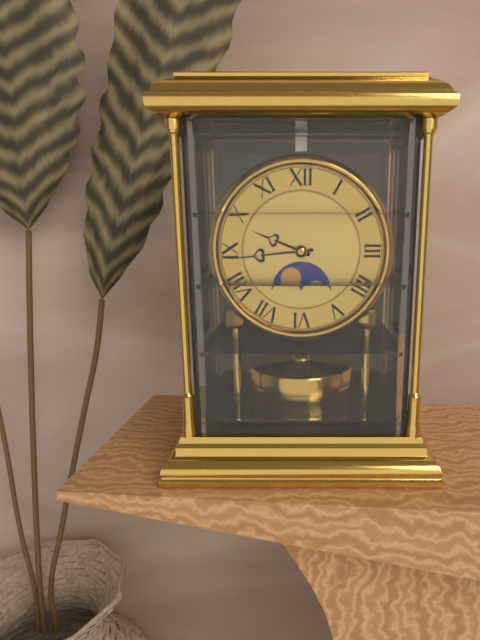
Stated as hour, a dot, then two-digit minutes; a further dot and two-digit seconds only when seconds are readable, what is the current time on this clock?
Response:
9.44
